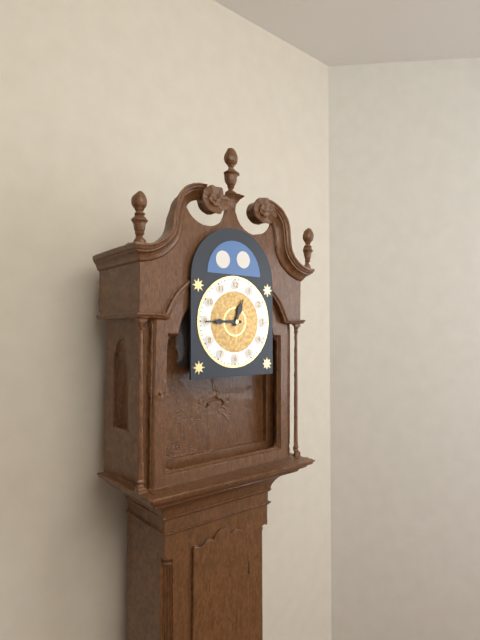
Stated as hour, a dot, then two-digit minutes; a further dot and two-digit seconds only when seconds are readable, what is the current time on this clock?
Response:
12.45
